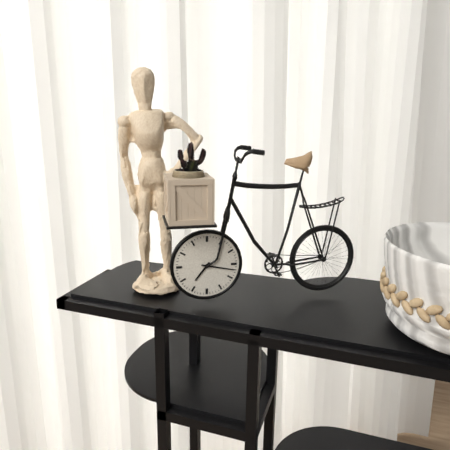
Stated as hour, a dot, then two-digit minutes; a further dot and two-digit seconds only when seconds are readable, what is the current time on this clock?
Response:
7.17
